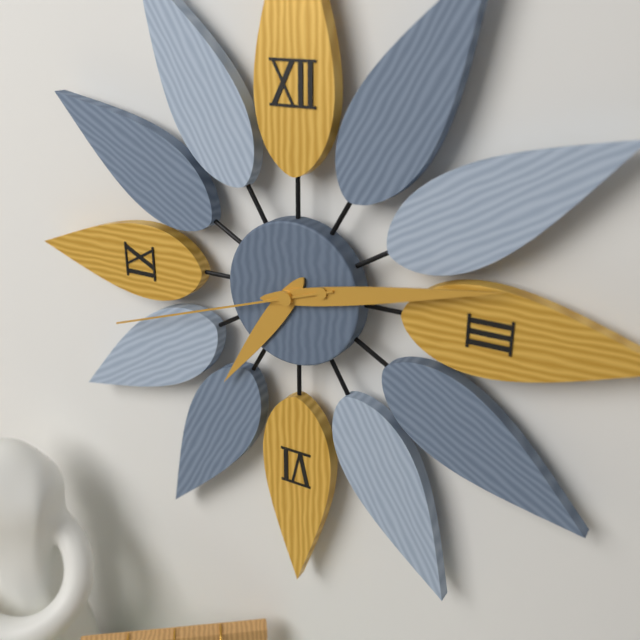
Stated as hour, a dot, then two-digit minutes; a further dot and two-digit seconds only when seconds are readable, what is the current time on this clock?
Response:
7.13.42
